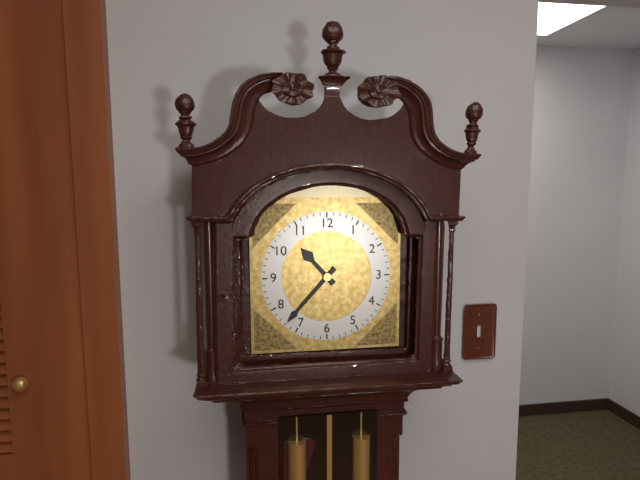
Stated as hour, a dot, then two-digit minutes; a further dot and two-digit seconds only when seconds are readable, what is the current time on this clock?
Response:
10.37
